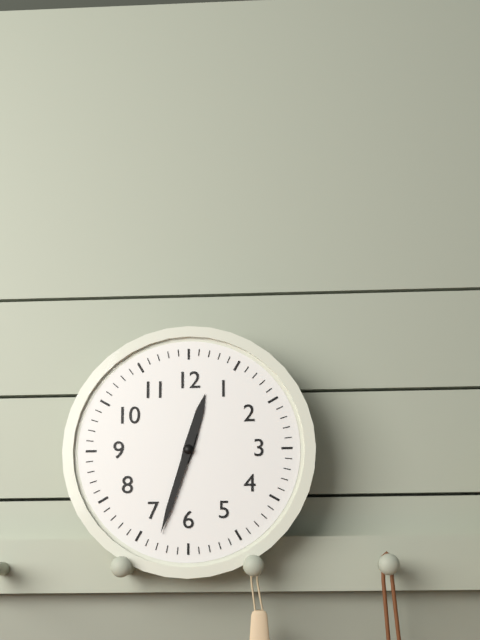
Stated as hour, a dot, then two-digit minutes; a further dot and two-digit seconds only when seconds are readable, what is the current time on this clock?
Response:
12.33
